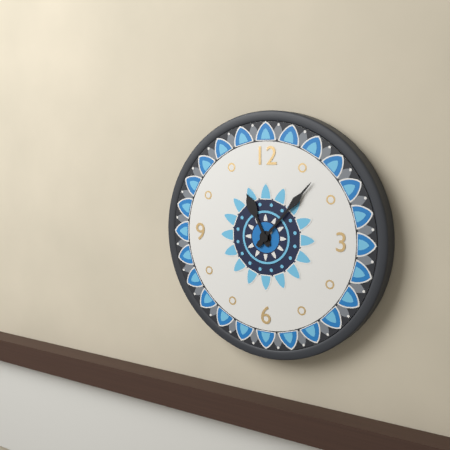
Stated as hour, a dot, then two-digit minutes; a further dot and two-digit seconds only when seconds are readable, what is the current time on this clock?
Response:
11.07
